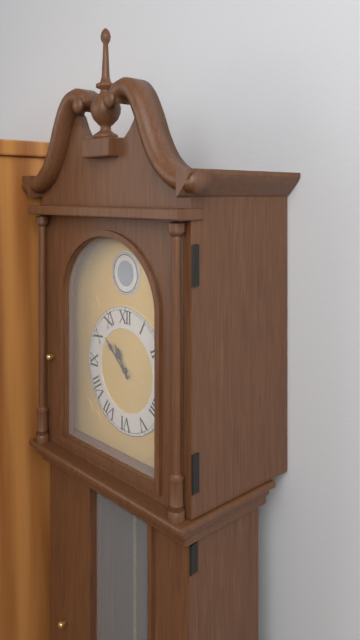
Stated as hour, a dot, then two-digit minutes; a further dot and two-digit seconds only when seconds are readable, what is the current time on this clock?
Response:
10.52
